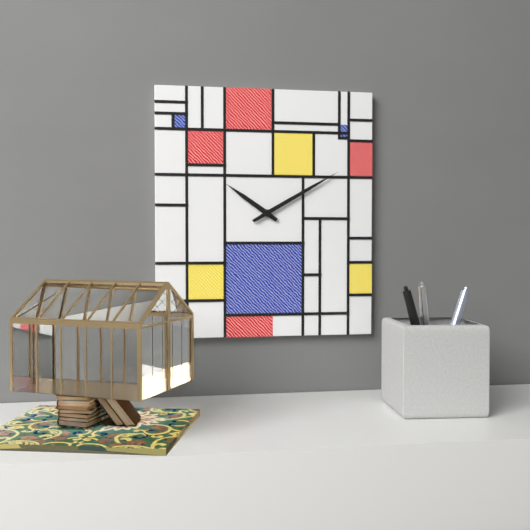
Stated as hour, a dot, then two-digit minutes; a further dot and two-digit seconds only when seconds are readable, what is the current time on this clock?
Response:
10.10
